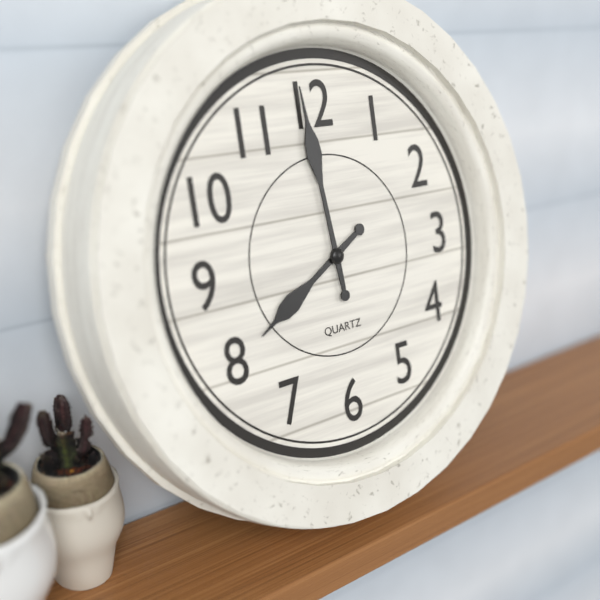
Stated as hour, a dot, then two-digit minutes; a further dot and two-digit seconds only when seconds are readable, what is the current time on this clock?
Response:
7.59
